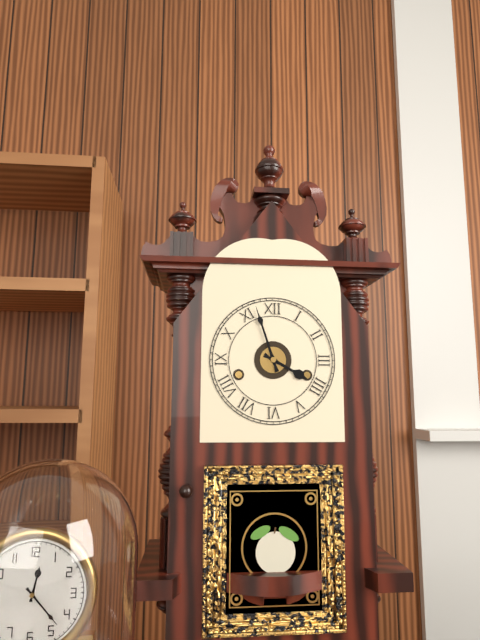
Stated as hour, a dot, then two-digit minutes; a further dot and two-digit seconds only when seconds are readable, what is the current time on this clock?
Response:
3.57
